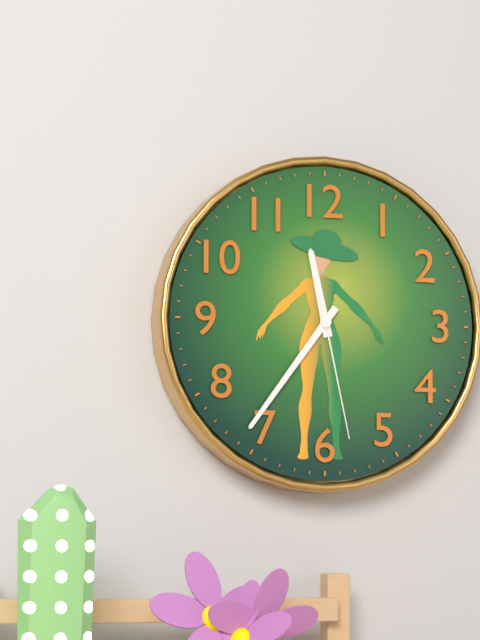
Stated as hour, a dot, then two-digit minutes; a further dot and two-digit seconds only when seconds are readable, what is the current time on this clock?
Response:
11.36.28
